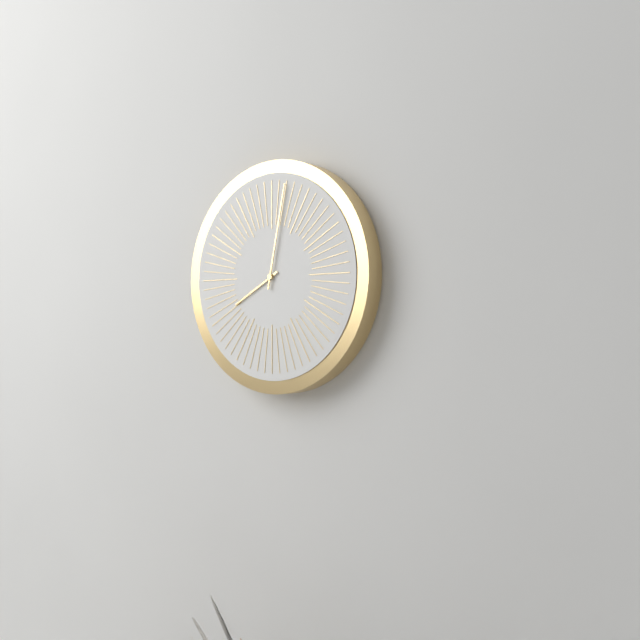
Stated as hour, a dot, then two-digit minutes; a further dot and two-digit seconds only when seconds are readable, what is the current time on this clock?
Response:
8.02
